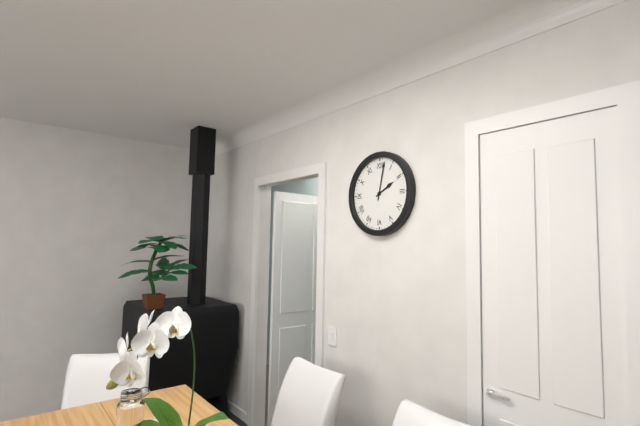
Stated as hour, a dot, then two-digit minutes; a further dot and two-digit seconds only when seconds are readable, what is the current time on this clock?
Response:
2.02
